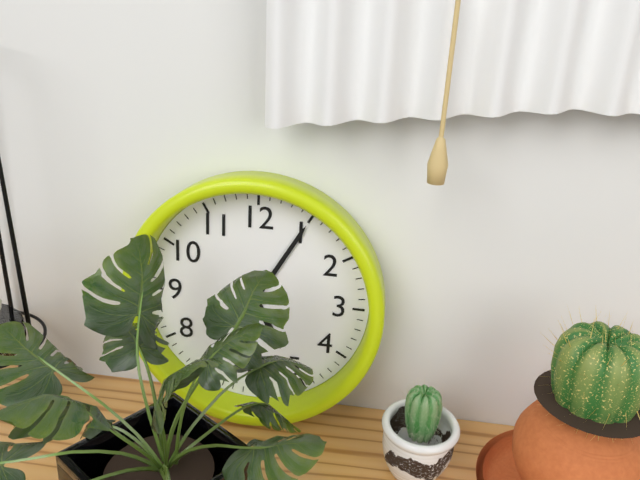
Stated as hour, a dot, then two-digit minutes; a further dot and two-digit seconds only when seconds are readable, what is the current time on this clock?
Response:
5.05
